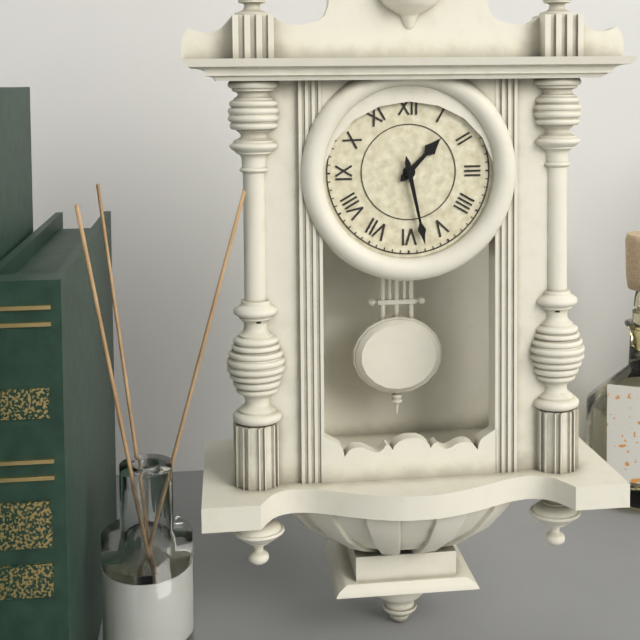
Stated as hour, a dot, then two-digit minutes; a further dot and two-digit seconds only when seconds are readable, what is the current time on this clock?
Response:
1.28
